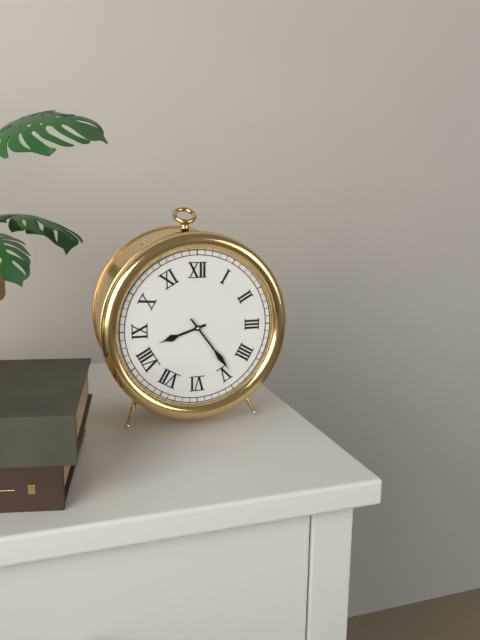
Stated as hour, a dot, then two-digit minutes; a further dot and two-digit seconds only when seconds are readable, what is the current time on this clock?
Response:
8.24
